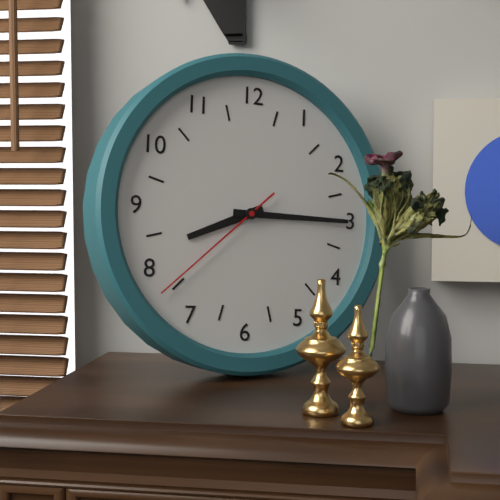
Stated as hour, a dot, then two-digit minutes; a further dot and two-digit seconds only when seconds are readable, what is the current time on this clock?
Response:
8.15.38
